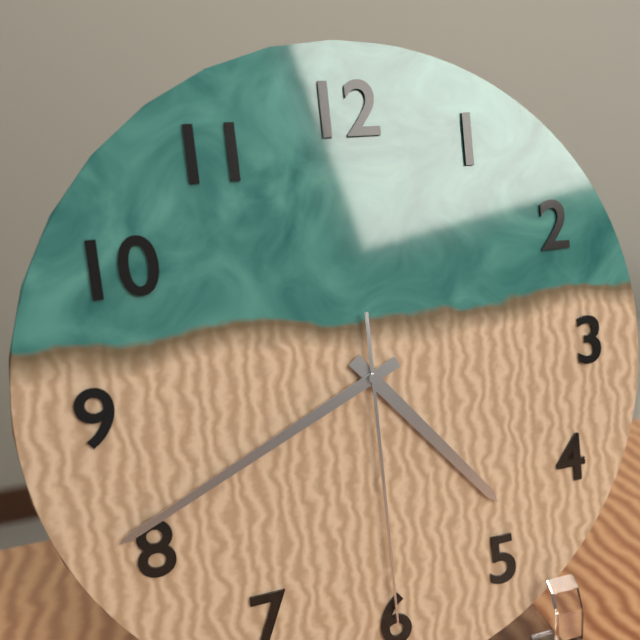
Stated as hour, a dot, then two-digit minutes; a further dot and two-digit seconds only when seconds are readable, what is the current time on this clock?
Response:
4.41.30
